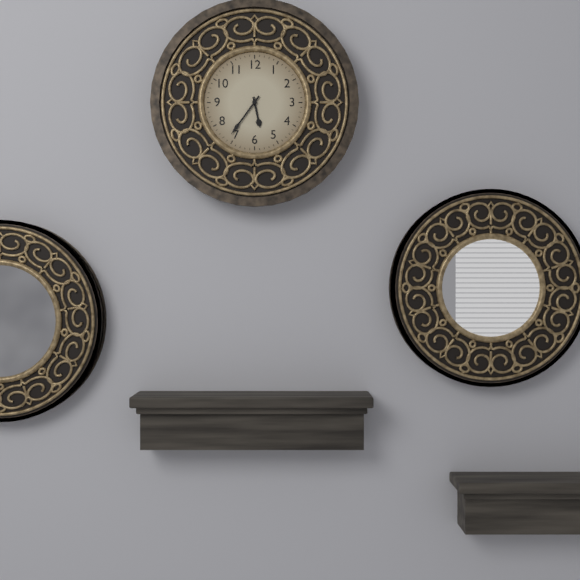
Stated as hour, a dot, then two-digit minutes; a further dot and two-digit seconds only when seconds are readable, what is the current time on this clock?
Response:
5.36
